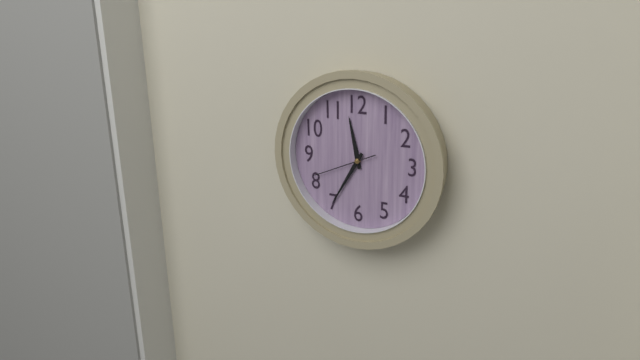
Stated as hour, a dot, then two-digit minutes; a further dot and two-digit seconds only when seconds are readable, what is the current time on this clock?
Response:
11.35.41
